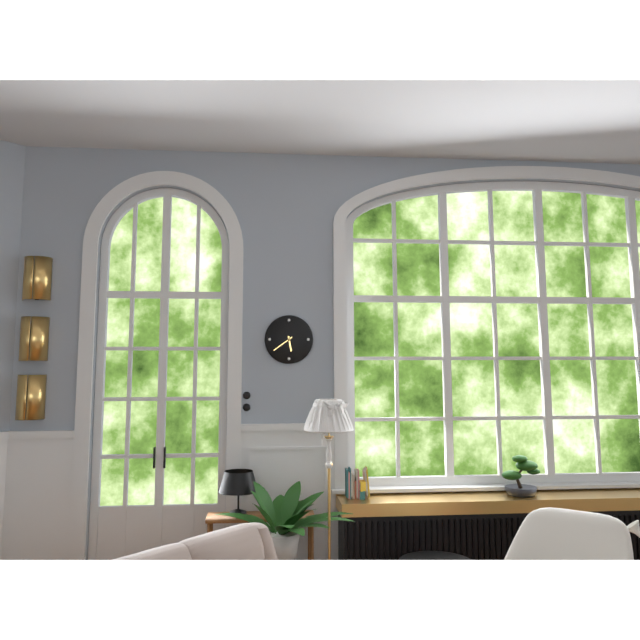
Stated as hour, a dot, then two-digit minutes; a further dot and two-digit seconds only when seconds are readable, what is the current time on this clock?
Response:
5.39
